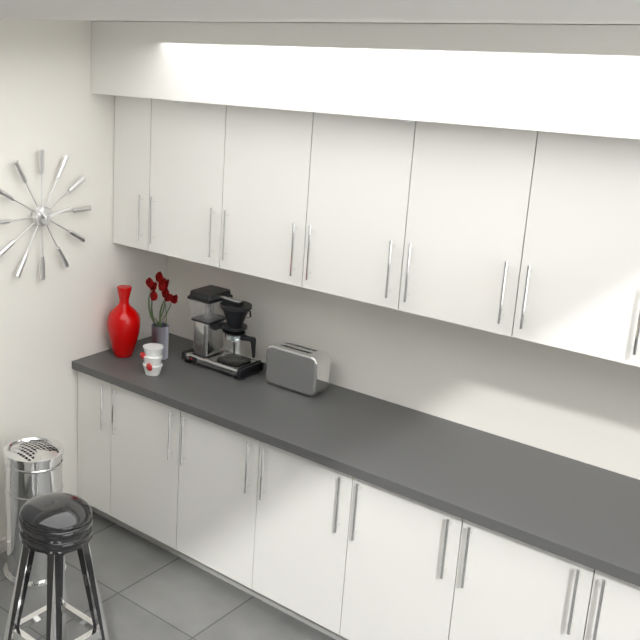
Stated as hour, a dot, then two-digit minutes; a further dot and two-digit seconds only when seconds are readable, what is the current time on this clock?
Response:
10.13
